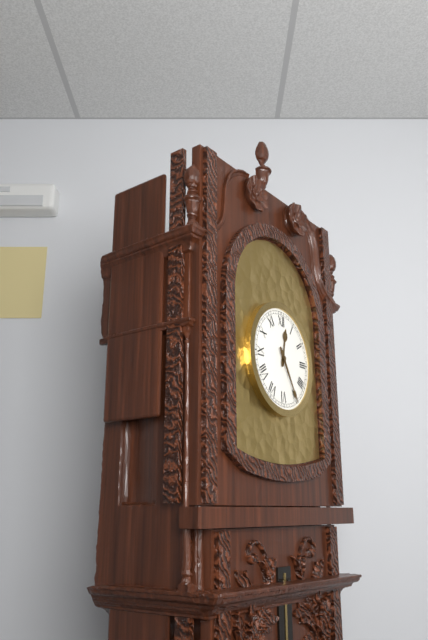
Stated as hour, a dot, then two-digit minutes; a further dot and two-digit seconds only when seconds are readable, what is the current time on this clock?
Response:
12.25
